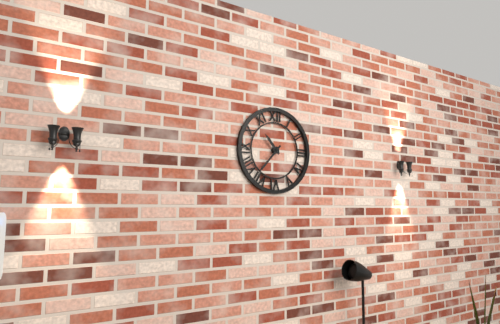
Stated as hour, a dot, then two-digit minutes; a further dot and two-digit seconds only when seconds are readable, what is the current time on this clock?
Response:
10.37
